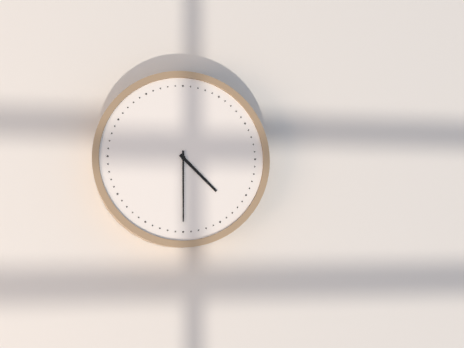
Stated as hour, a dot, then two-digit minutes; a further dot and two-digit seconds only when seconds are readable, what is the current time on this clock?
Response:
4.30
